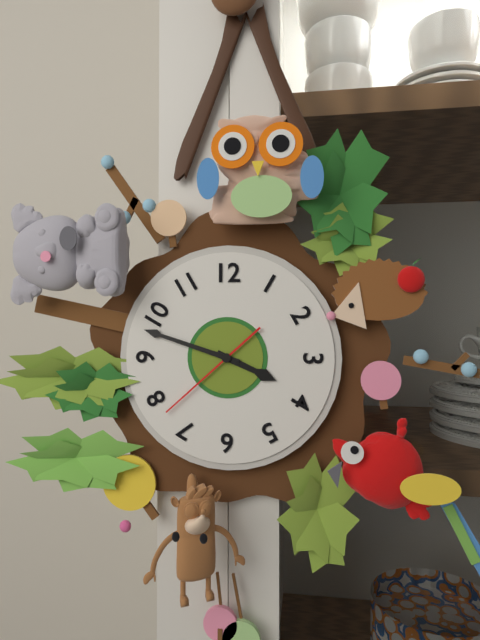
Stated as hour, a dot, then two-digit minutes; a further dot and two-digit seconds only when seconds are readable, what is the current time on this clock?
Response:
3.48.38
